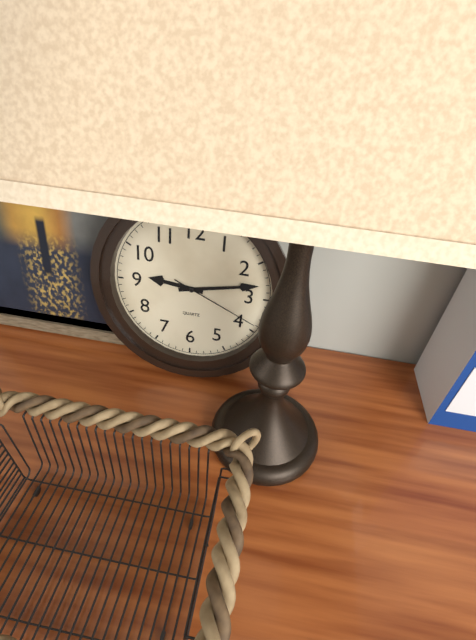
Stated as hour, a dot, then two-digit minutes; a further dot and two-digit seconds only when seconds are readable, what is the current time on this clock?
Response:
9.13.19
